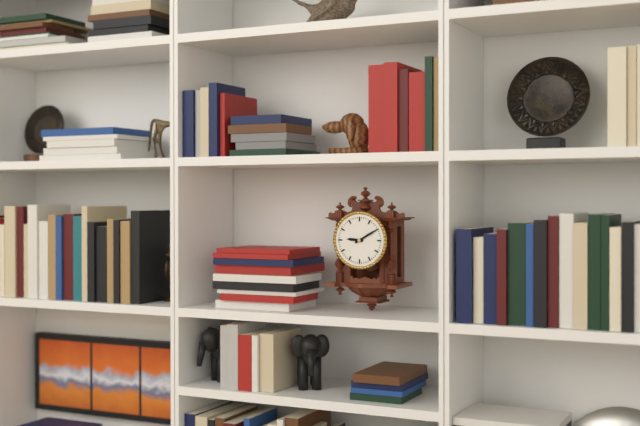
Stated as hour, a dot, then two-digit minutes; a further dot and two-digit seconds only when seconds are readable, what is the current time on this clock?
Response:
9.10
